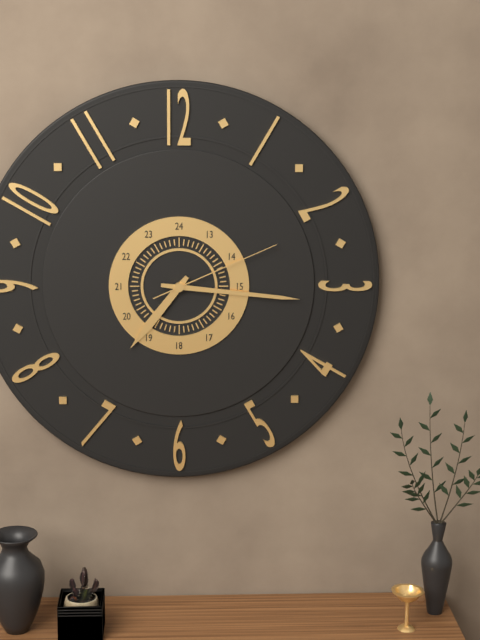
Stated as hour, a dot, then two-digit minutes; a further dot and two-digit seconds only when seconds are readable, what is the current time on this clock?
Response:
7.16.11
